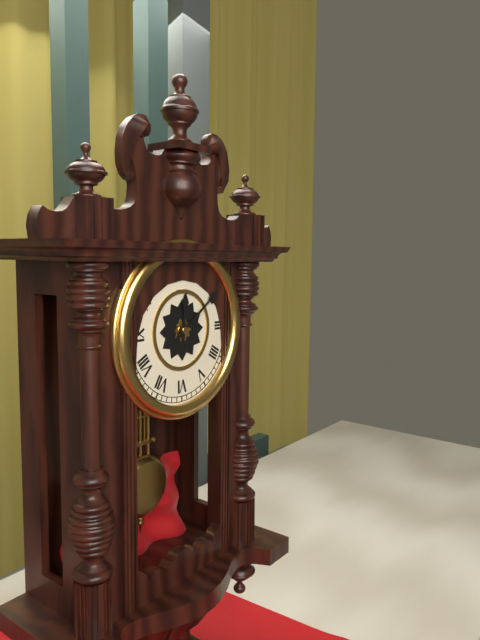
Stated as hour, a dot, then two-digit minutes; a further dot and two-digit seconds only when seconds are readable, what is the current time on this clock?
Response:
12.09
